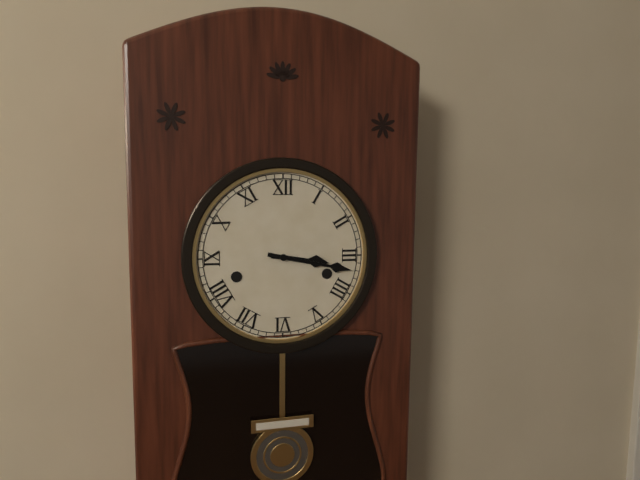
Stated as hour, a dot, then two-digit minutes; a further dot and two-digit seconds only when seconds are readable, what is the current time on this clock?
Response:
3.17
